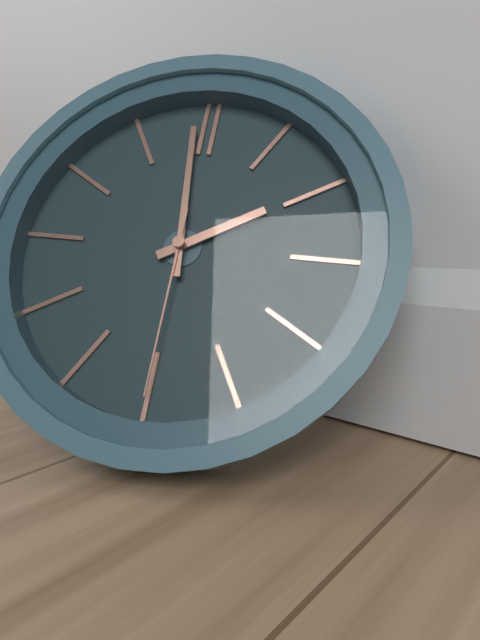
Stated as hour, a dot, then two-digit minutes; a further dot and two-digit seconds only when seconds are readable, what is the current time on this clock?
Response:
1.59.30
